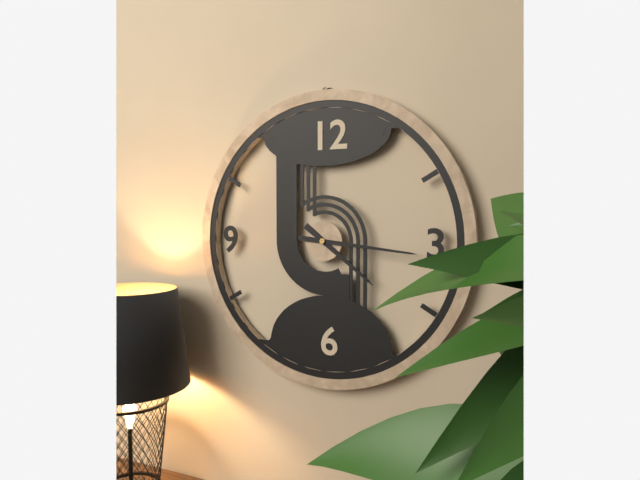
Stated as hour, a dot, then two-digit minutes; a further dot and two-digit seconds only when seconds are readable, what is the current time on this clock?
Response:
4.16
